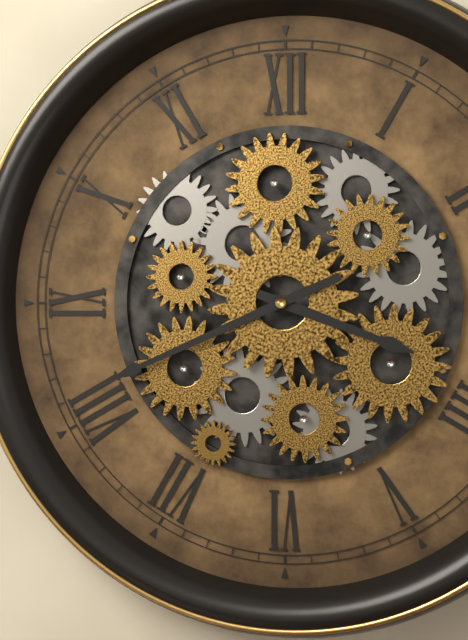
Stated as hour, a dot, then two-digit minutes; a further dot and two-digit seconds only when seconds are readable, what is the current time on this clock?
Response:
3.41
